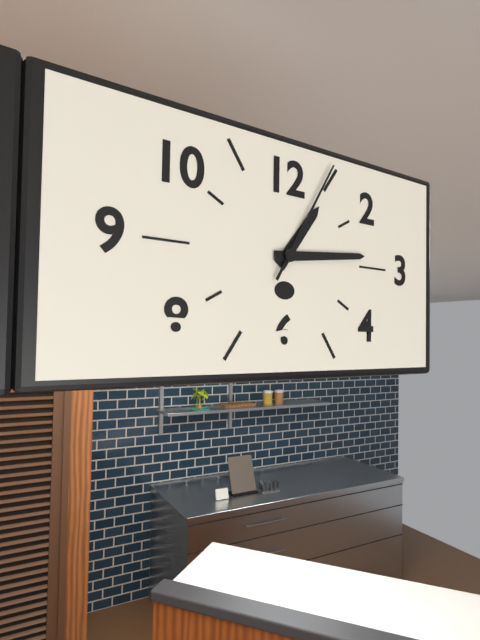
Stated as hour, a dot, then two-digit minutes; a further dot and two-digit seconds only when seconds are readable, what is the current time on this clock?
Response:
1.14.05
